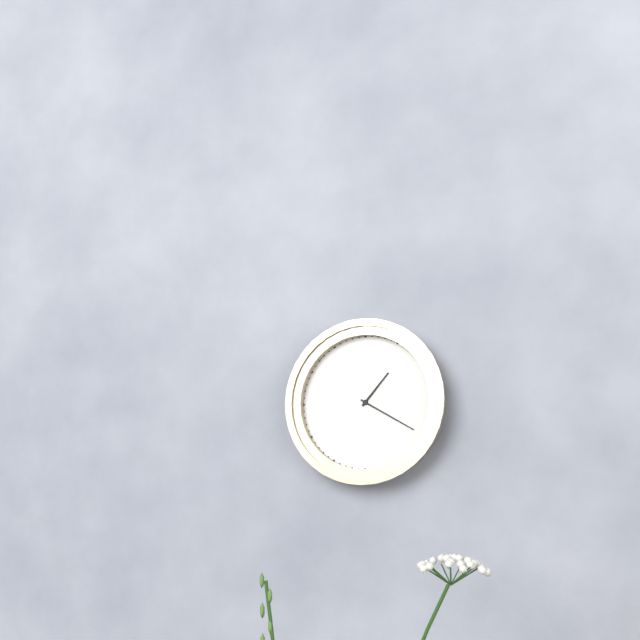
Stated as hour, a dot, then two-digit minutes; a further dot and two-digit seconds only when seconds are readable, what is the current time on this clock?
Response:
1.20
